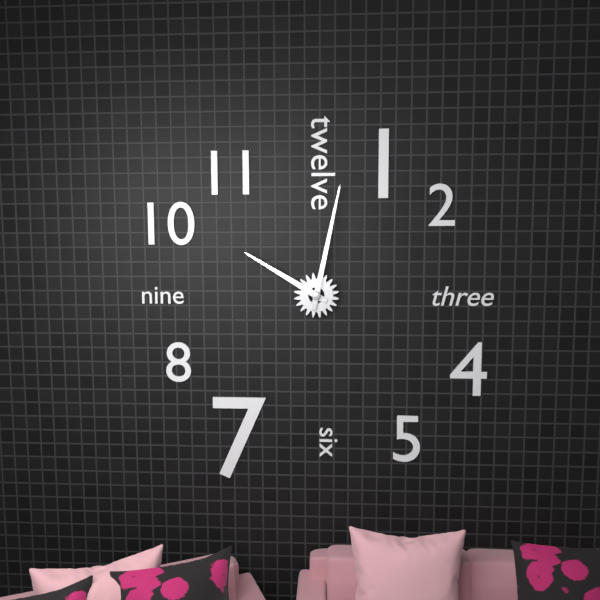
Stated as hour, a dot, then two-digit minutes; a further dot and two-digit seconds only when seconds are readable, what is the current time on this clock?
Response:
10.02
